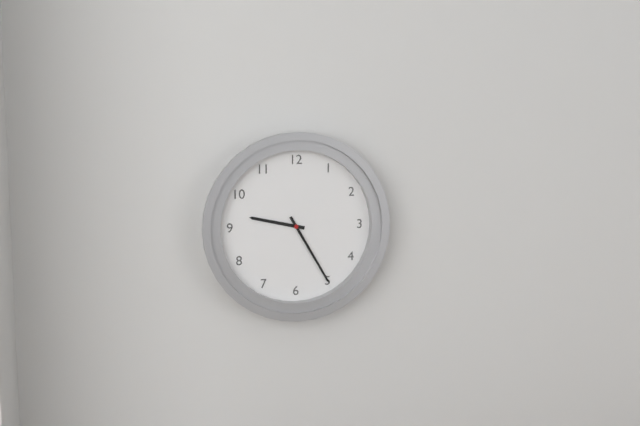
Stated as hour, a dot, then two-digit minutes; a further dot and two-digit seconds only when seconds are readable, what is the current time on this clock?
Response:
9.25
